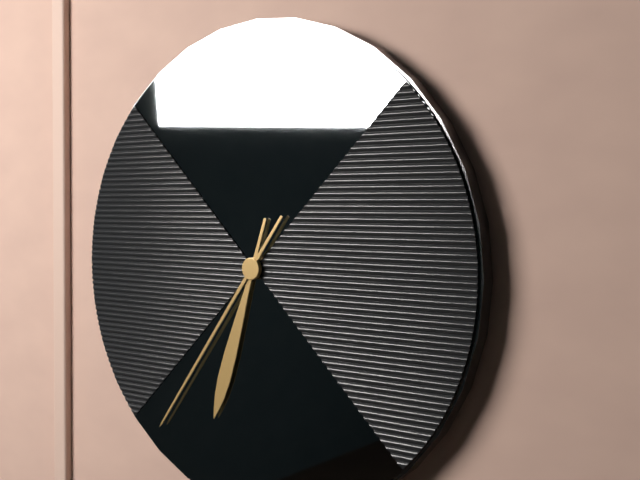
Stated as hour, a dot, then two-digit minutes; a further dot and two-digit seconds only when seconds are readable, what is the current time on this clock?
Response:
6.36
